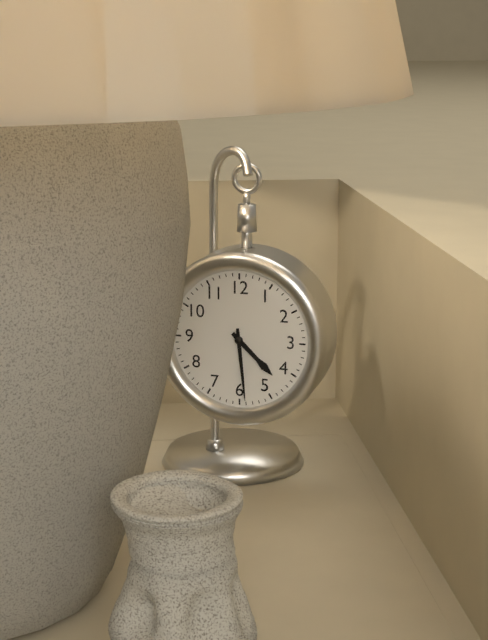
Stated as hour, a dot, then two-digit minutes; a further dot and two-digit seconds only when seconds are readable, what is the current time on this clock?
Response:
4.29
